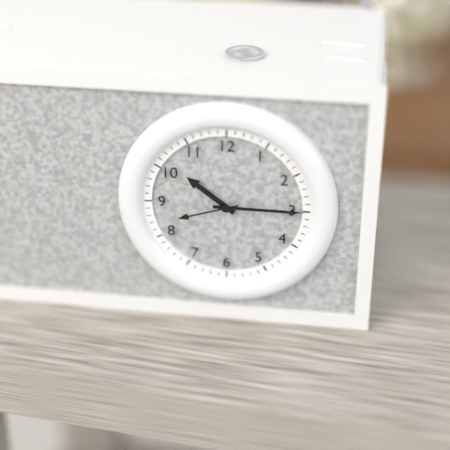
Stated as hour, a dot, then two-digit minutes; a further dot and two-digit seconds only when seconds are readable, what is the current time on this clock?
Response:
10.15.42
